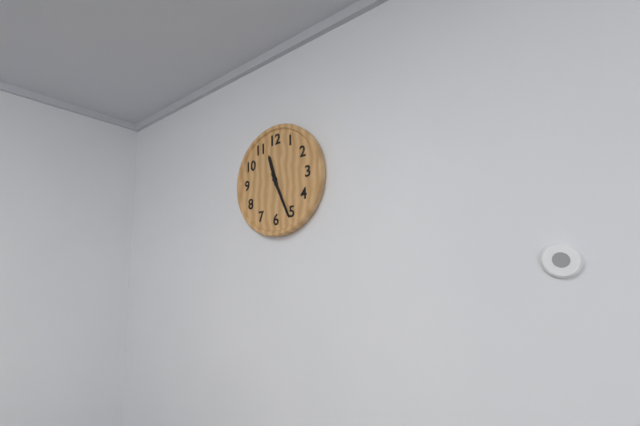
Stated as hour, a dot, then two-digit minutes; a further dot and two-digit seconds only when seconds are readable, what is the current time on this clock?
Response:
11.26
